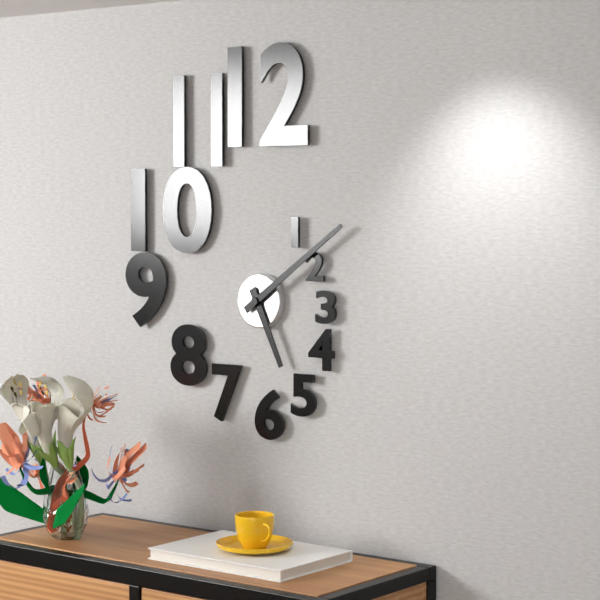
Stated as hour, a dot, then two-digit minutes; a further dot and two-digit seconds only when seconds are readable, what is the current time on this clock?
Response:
5.09
